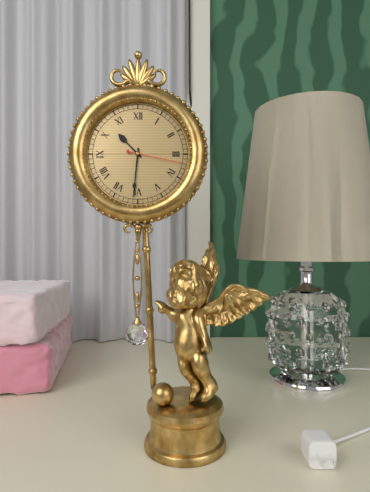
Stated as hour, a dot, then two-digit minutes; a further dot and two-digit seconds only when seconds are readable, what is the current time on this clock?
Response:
10.31.17
